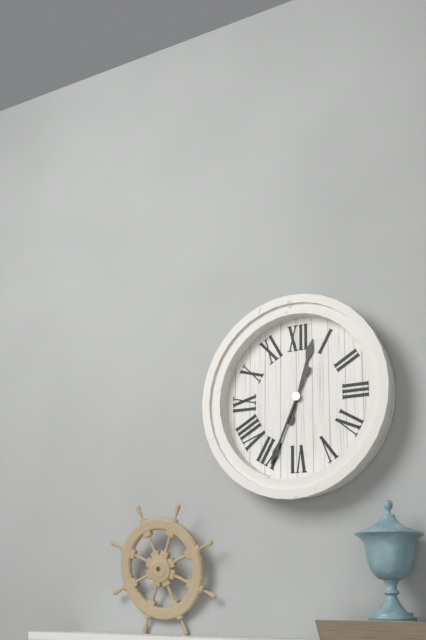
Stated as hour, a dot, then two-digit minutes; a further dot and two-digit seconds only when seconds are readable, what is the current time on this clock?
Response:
12.34
